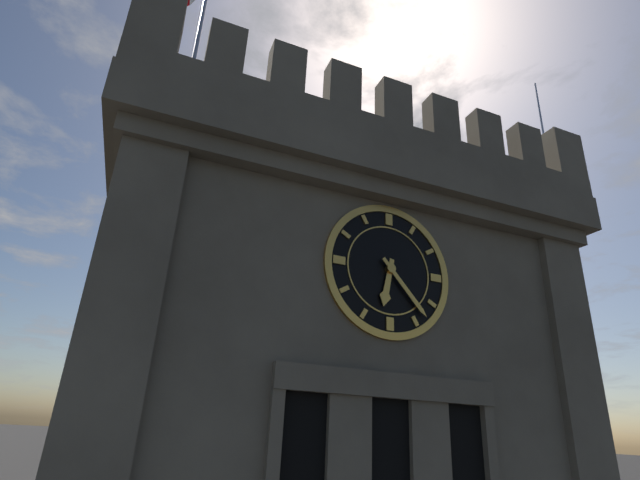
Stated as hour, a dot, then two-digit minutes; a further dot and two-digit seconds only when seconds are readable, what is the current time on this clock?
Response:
6.23
